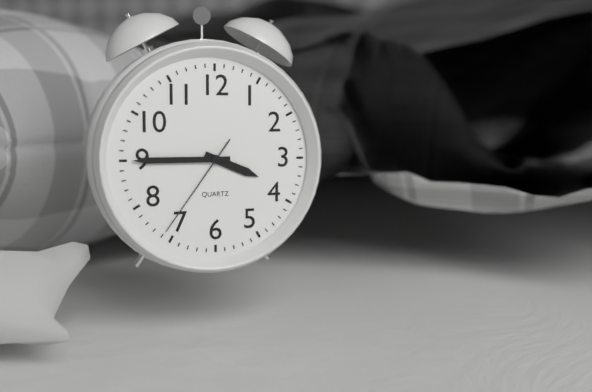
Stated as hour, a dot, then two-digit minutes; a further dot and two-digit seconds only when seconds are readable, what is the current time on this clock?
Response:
3.45.36
